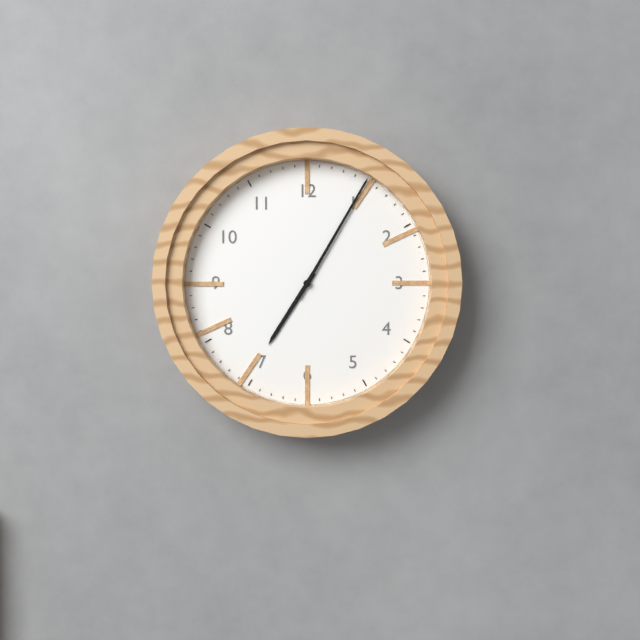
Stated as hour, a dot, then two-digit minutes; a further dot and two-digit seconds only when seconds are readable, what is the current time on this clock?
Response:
7.05
